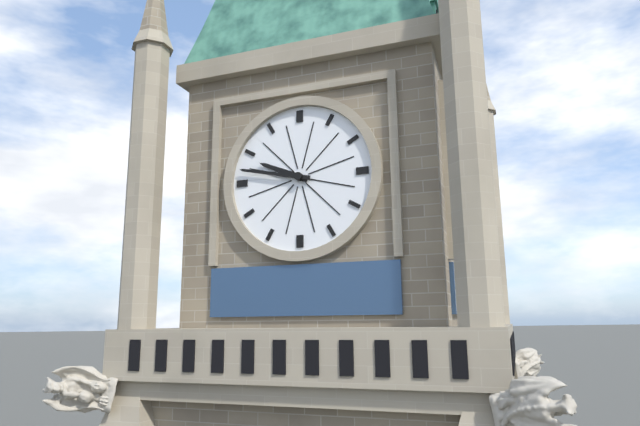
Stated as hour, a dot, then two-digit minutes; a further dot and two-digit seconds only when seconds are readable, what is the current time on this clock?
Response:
9.47
